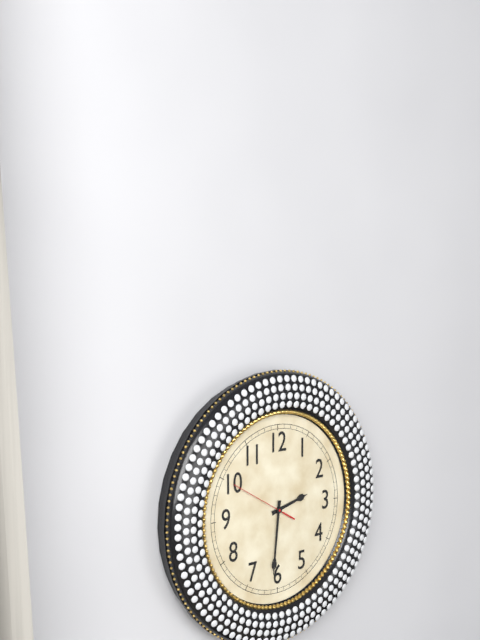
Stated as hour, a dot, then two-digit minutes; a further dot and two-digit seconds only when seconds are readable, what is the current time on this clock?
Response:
2.31
